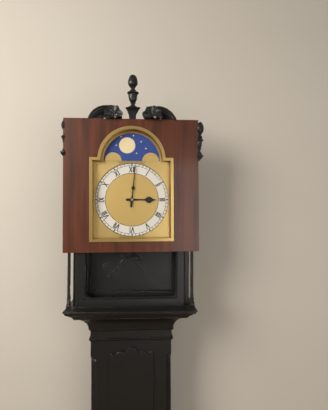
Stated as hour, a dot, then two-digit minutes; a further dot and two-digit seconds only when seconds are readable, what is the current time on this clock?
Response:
3.01
